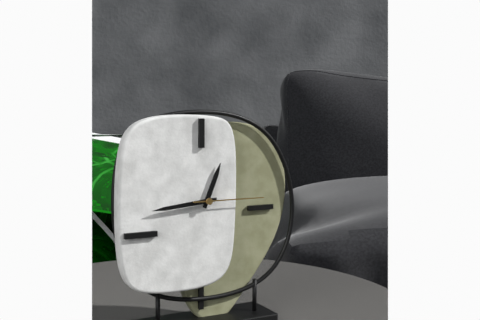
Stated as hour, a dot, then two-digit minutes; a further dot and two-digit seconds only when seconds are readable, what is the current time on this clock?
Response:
12.44.15
